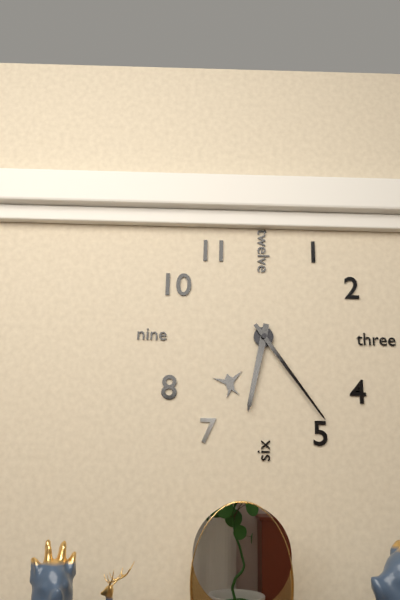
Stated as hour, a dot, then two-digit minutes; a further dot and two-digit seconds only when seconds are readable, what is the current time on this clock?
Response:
6.24
